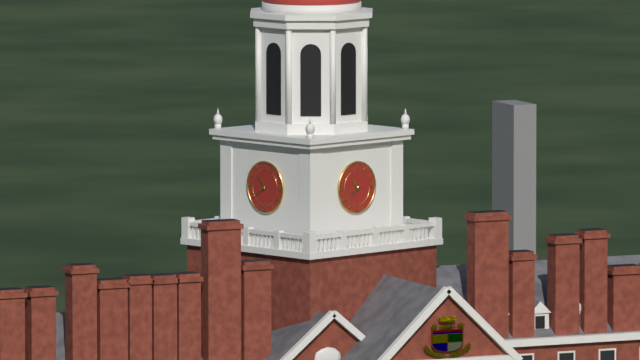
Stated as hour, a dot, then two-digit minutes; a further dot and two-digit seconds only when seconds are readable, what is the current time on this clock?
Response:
10.39
